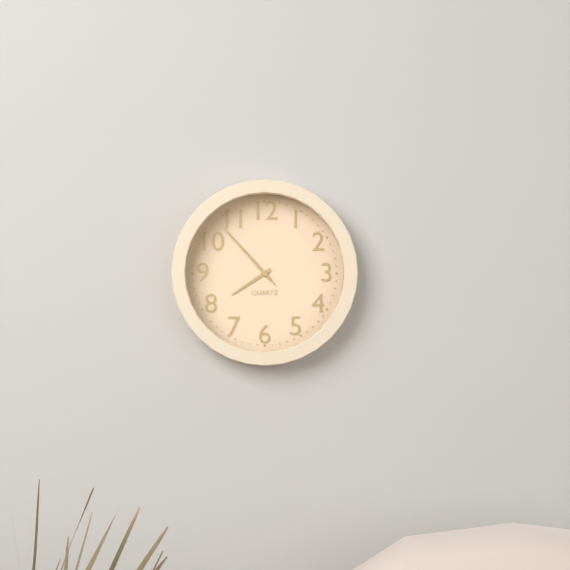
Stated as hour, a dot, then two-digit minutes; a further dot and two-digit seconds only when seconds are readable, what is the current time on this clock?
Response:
7.53.53
